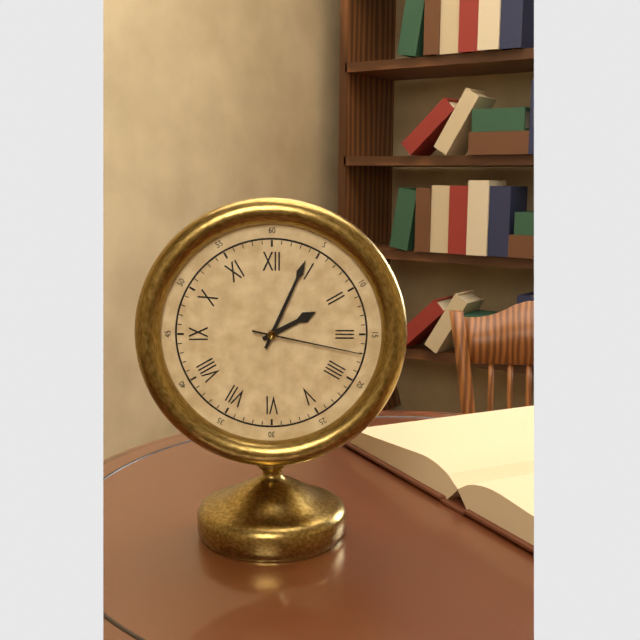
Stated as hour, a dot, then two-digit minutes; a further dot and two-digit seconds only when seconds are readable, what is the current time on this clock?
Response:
2.04.17
